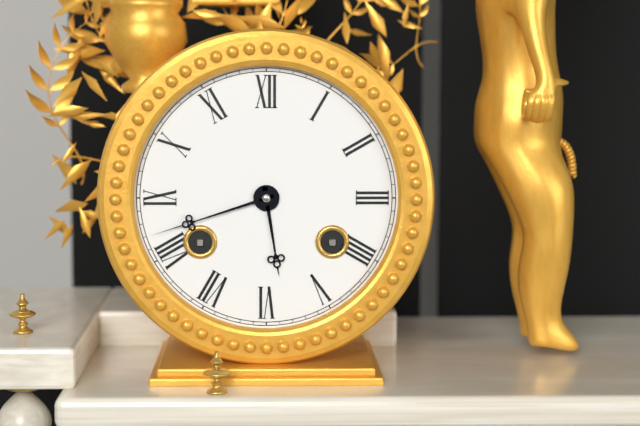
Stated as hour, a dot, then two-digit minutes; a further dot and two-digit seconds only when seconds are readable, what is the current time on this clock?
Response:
5.42
